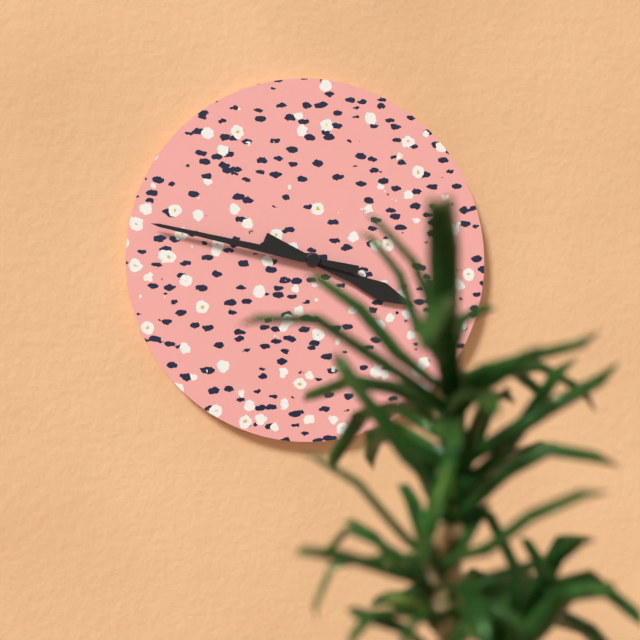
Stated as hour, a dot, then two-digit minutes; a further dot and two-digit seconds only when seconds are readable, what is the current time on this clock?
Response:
3.47
